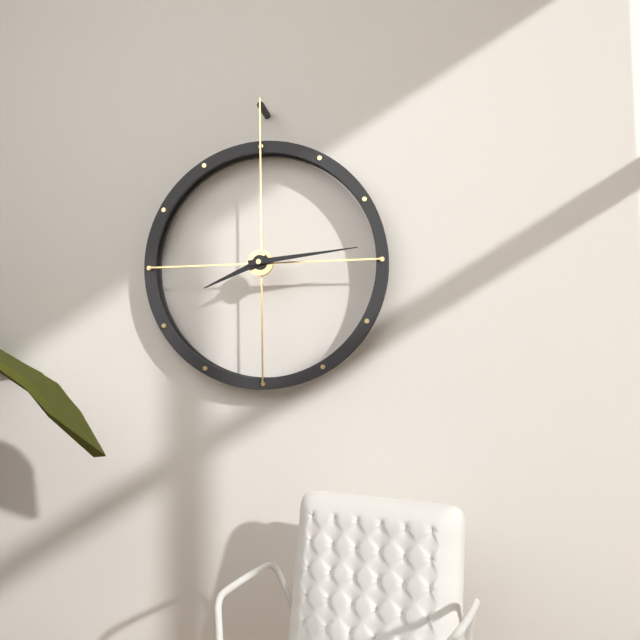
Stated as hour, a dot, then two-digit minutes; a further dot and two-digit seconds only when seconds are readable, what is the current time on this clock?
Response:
8.14
